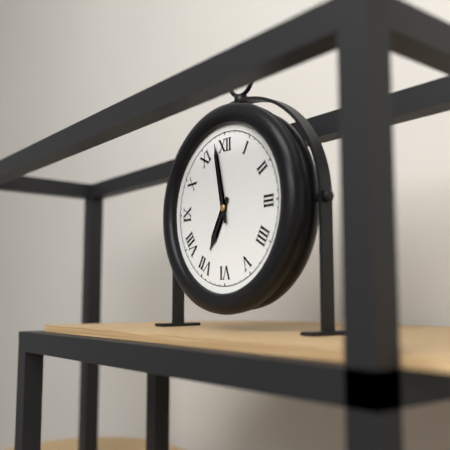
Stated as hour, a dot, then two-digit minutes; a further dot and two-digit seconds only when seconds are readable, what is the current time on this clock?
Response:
6.58
